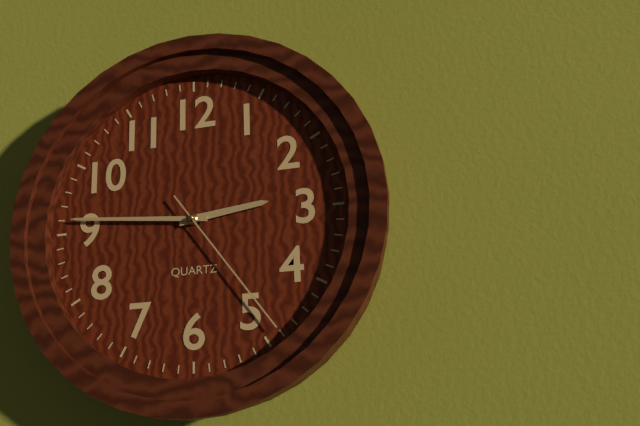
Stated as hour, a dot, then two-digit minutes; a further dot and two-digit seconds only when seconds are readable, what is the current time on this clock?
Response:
2.46.24
